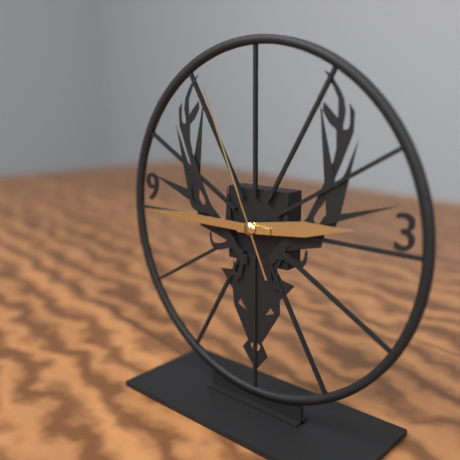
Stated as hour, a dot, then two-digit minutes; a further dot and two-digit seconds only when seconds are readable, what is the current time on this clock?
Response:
2.45.56
